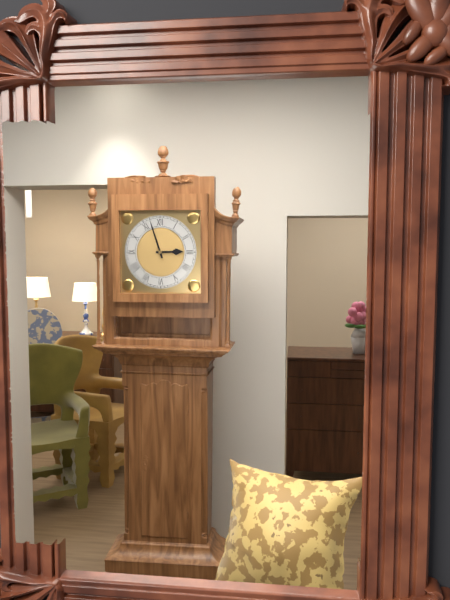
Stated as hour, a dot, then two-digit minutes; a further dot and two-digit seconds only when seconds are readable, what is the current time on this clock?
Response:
2.57
